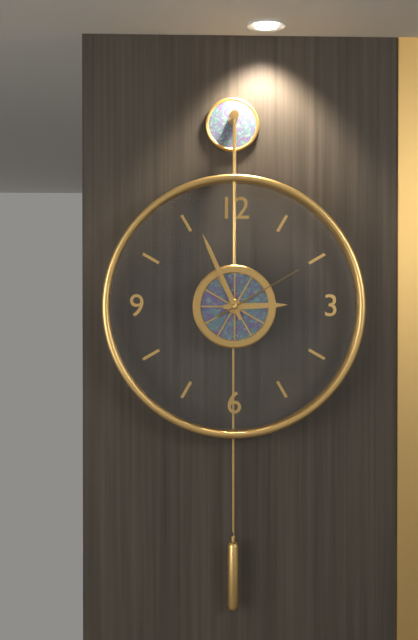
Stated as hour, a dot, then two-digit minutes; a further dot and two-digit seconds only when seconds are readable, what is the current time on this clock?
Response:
2.56.10
